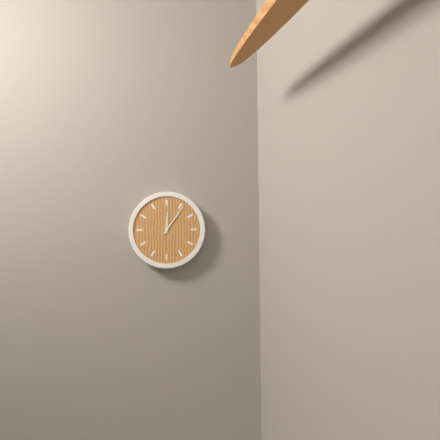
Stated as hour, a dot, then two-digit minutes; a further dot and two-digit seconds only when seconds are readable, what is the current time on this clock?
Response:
12.06
